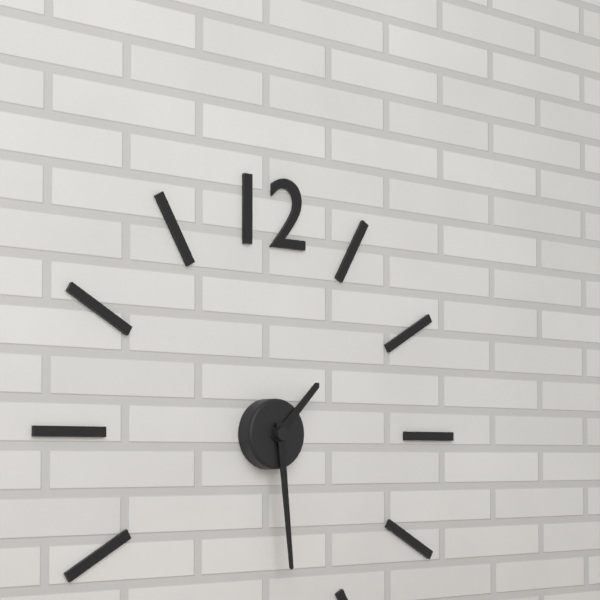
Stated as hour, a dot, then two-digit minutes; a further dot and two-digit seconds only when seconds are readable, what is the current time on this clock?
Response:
1.29
